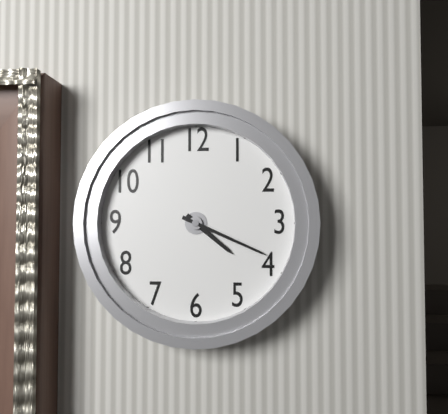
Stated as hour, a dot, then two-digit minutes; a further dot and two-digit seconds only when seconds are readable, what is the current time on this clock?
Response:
4.19
